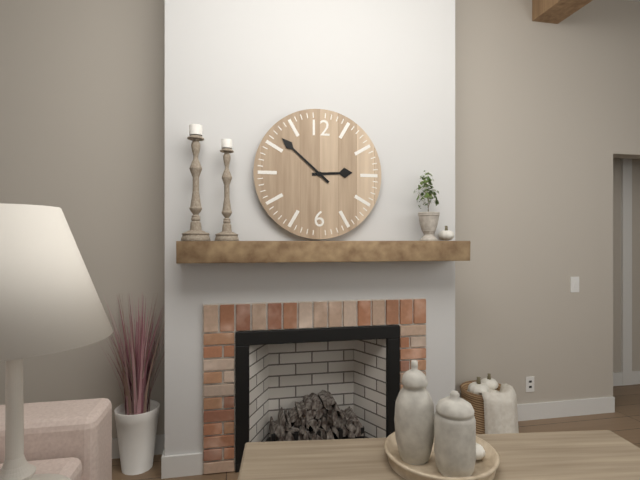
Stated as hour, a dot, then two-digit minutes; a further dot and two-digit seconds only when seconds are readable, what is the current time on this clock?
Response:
2.52
